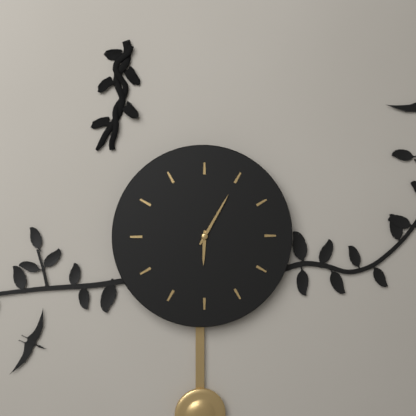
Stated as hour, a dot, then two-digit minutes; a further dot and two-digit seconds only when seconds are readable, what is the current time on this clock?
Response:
6.05
